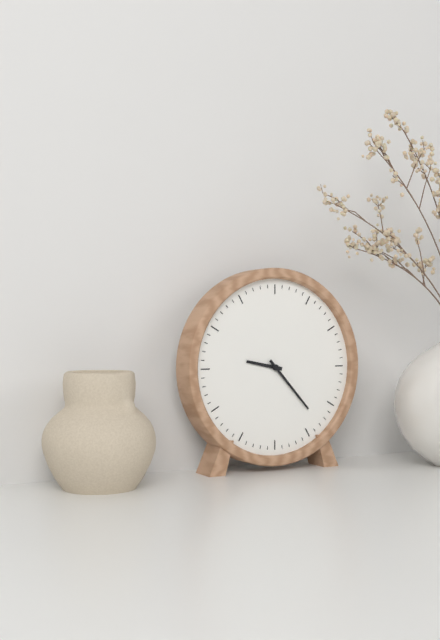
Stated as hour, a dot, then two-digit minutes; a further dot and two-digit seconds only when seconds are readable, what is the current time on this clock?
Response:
9.23
